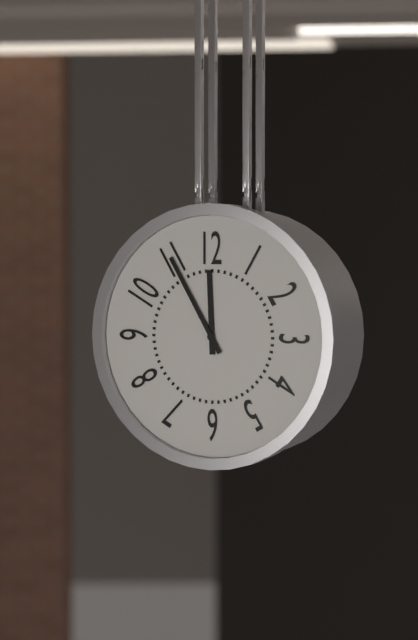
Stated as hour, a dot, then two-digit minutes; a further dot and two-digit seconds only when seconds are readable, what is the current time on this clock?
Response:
11.55
